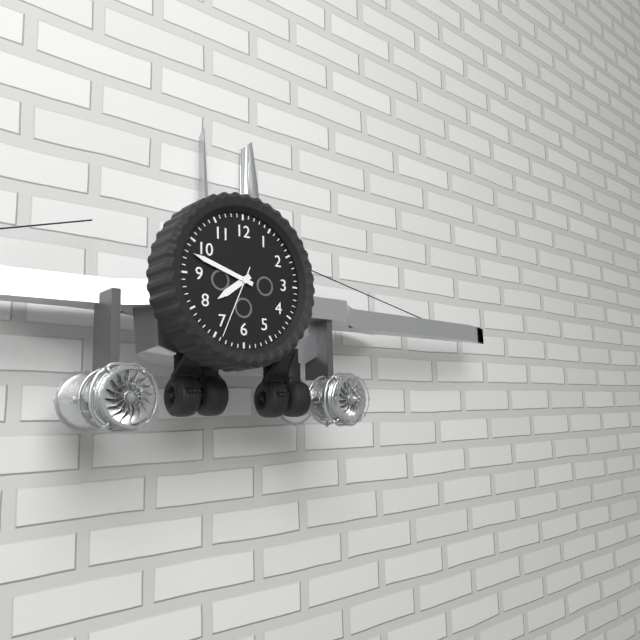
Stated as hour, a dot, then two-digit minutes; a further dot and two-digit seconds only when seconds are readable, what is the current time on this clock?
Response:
7.48.34
